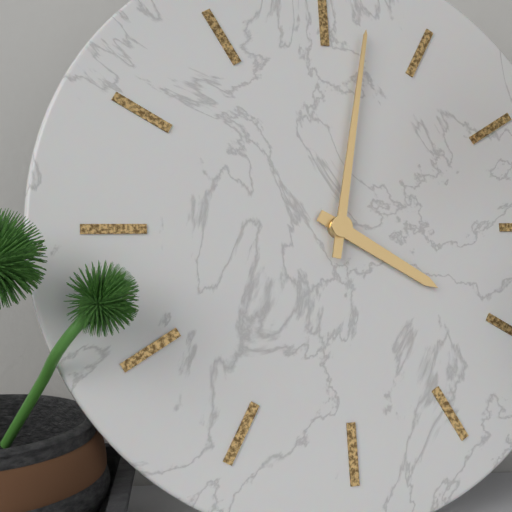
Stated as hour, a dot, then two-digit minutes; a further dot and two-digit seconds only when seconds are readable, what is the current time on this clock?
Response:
4.02
